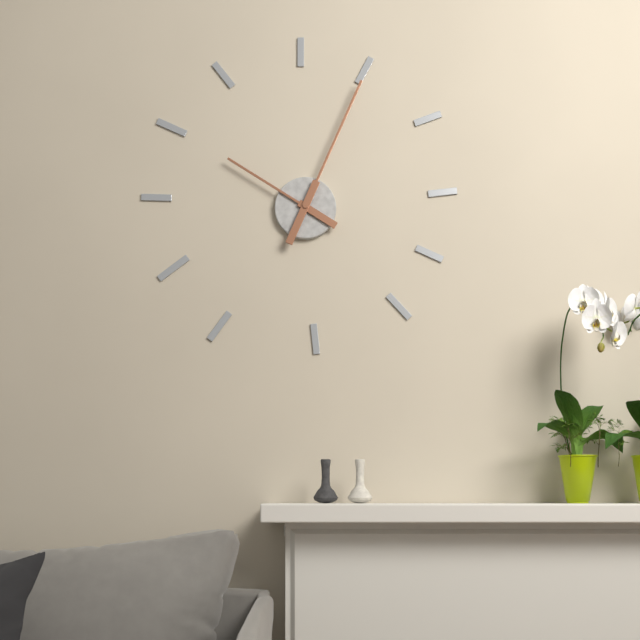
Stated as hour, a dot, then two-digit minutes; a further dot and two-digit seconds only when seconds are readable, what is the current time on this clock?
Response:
10.04
